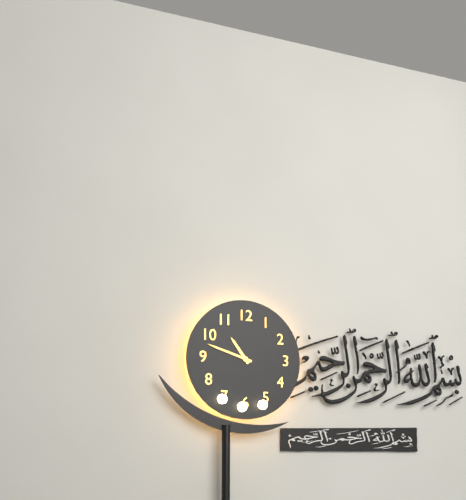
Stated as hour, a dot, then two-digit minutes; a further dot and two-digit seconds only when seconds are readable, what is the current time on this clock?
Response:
10.48
